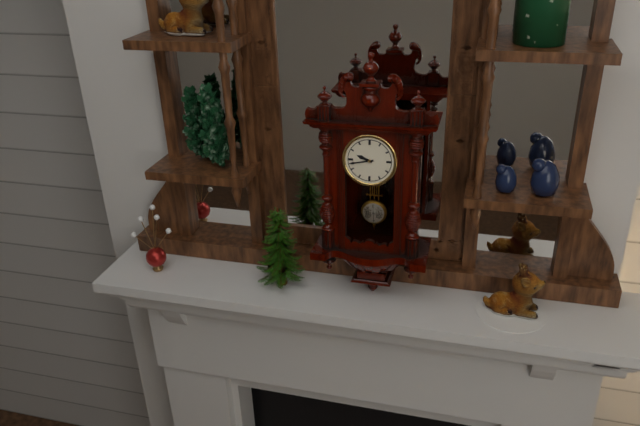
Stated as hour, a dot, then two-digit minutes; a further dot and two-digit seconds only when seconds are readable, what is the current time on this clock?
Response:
9.43
